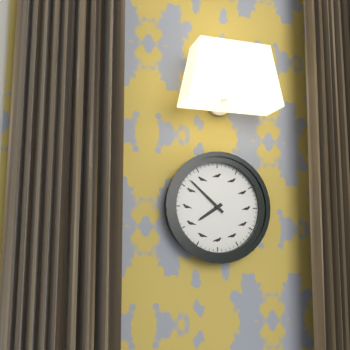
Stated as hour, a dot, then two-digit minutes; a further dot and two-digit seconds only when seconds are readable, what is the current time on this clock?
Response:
7.52
